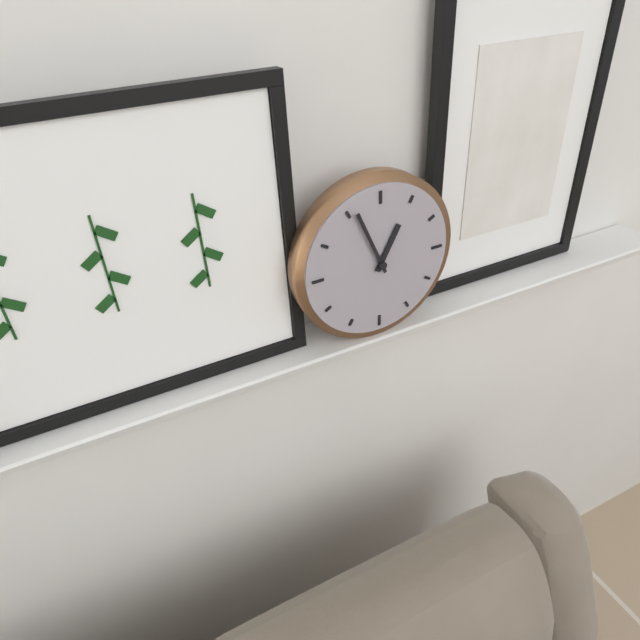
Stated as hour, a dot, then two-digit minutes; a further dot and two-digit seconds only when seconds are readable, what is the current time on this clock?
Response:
12.56
